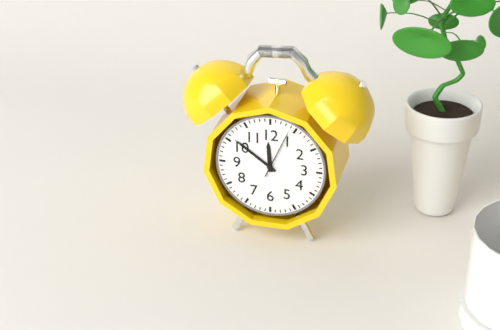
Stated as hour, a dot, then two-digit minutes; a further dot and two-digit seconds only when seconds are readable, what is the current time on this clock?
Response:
11.51.04
